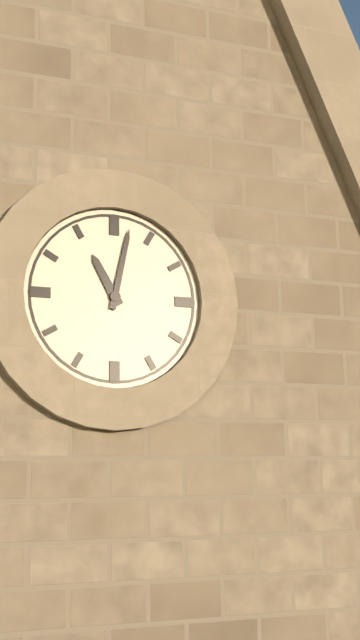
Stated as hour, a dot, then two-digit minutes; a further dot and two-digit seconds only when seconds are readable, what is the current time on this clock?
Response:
11.02
